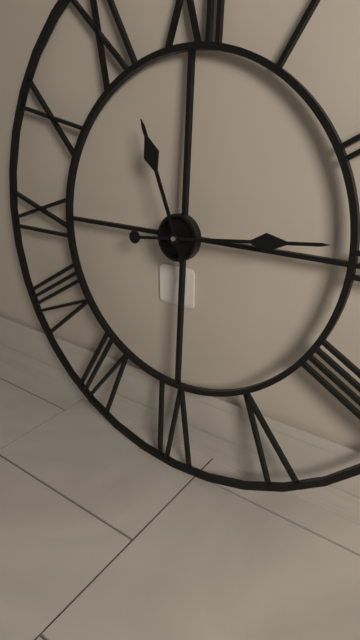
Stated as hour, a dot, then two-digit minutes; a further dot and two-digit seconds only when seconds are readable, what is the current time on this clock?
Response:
11.14
